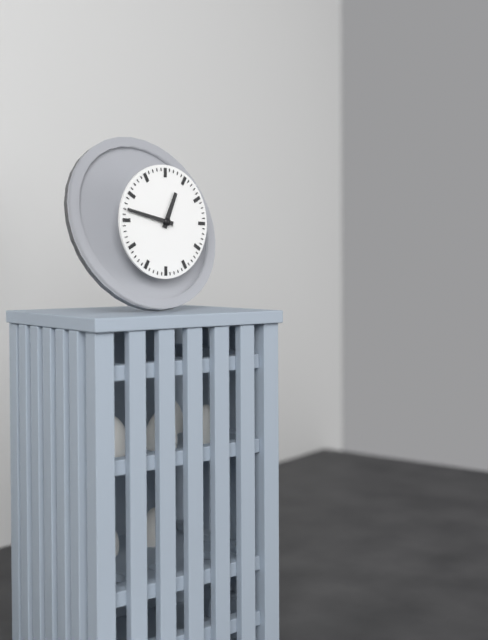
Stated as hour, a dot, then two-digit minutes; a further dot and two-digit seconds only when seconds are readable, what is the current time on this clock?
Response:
12.47
